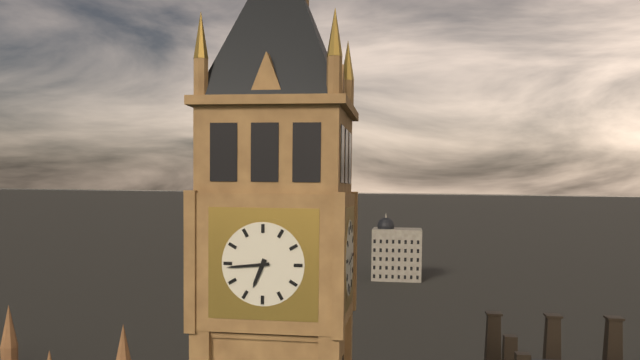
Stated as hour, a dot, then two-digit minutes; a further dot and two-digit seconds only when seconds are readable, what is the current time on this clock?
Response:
6.44
